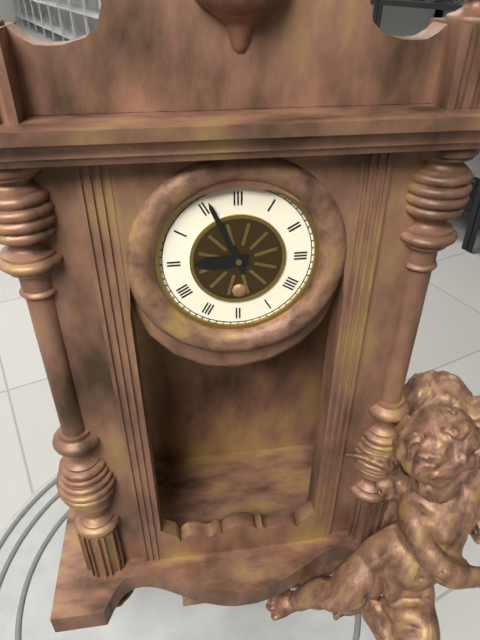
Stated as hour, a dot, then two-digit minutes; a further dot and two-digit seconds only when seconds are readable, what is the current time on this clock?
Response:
8.56
